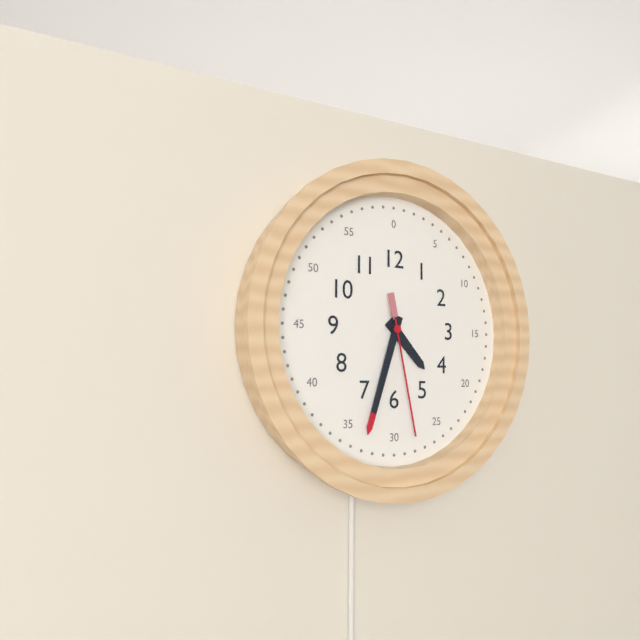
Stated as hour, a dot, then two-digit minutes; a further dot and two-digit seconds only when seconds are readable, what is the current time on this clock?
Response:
4.33.28
